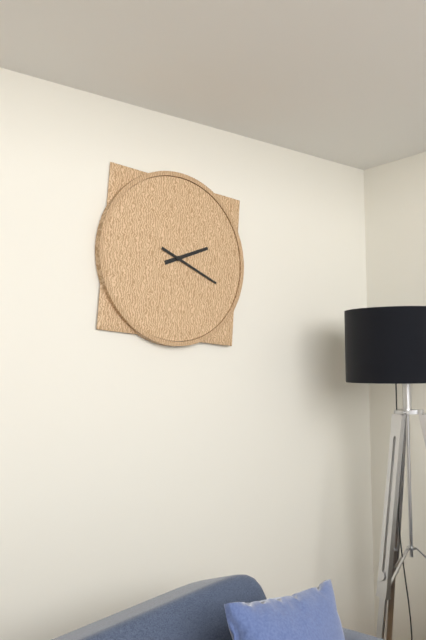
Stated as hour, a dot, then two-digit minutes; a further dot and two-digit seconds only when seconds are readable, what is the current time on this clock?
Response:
2.19
